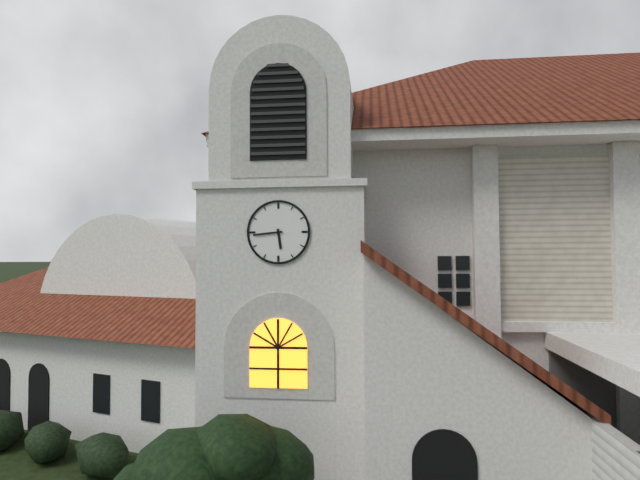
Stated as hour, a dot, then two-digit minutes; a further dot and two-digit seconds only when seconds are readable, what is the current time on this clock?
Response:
5.44
